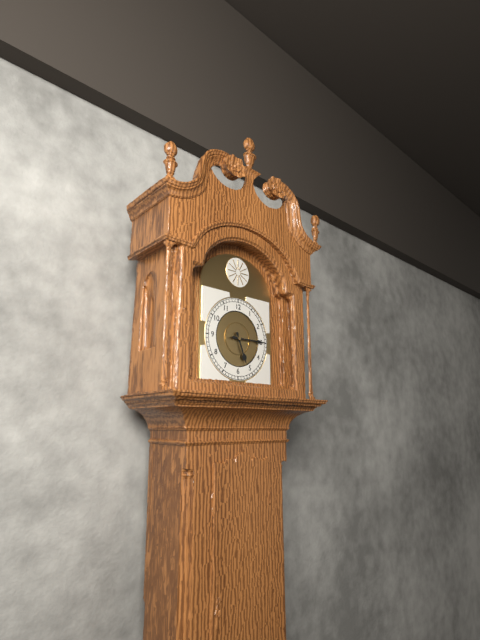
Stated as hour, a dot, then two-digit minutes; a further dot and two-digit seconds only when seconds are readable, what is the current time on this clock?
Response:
5.15
